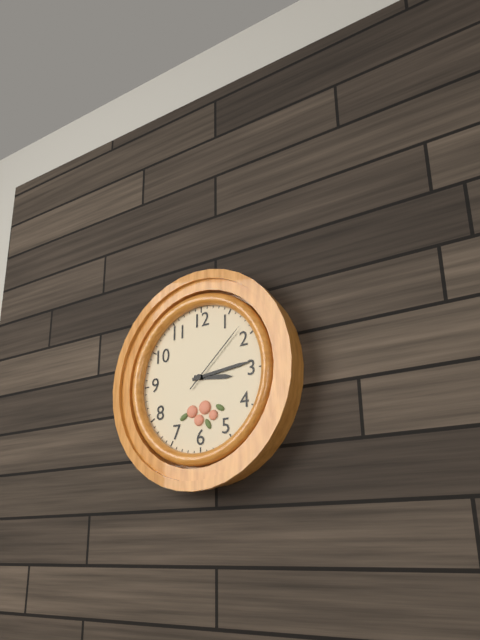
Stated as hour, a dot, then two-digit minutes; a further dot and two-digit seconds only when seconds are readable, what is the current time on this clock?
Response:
3.14.08
